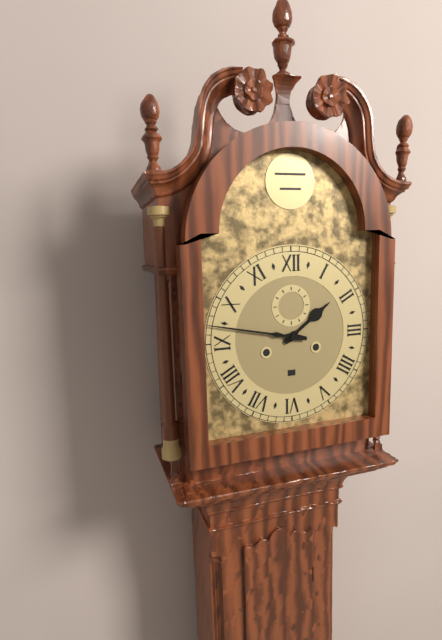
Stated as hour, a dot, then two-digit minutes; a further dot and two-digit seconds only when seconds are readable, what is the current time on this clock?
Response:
1.47
